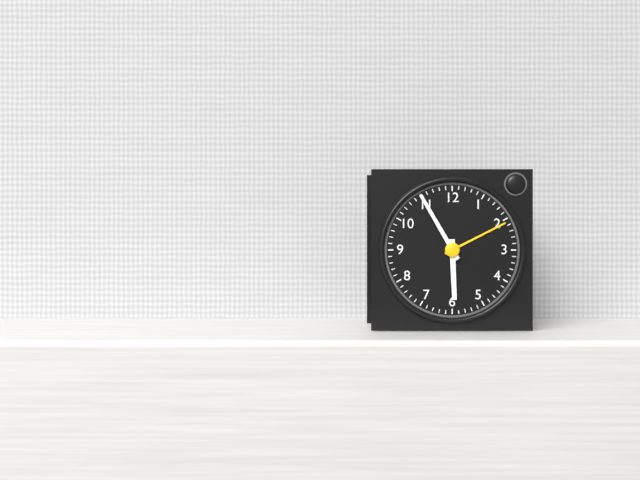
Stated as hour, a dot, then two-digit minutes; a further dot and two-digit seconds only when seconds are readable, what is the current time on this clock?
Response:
5.55
